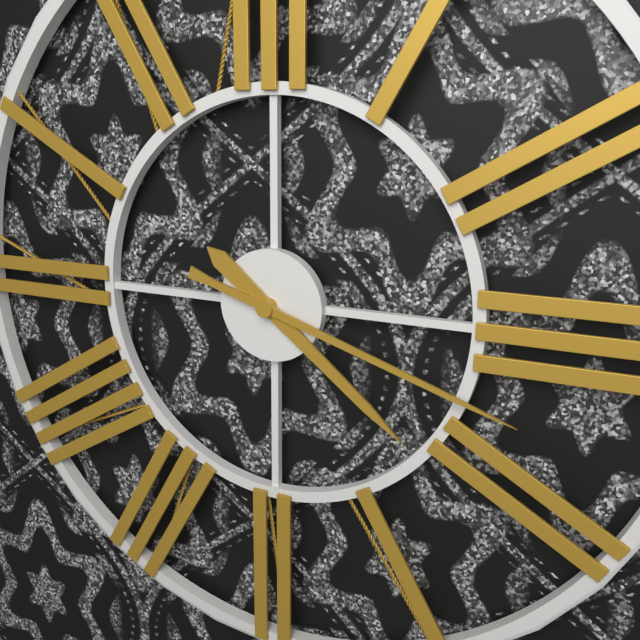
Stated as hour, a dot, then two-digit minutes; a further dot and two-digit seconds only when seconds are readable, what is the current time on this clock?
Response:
4.18
